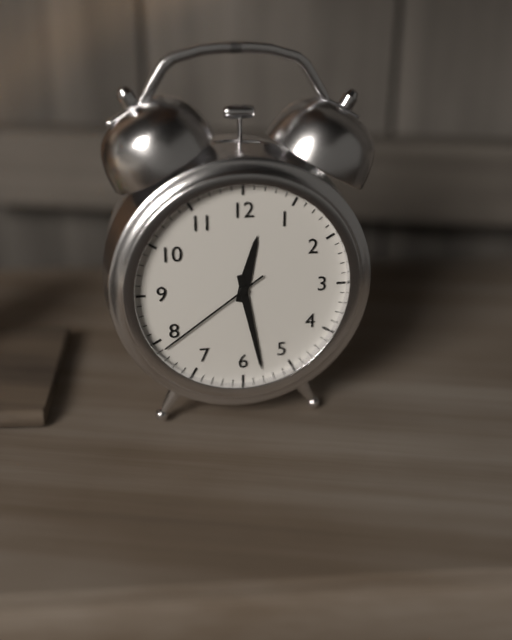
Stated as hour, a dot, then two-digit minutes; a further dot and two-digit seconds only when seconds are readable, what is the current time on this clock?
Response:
12.28.39
